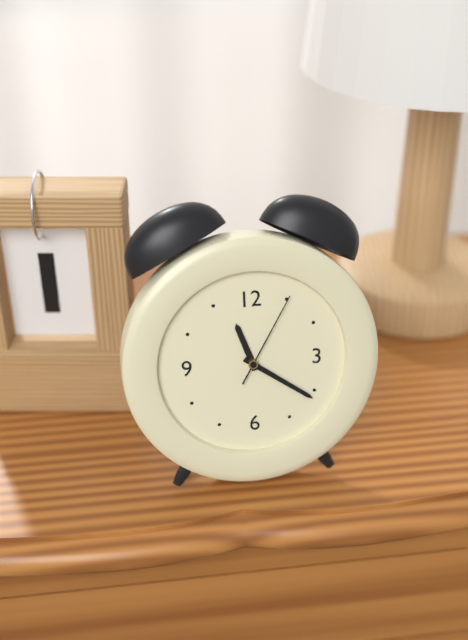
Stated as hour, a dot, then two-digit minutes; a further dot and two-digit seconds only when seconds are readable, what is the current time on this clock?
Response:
11.21.05
